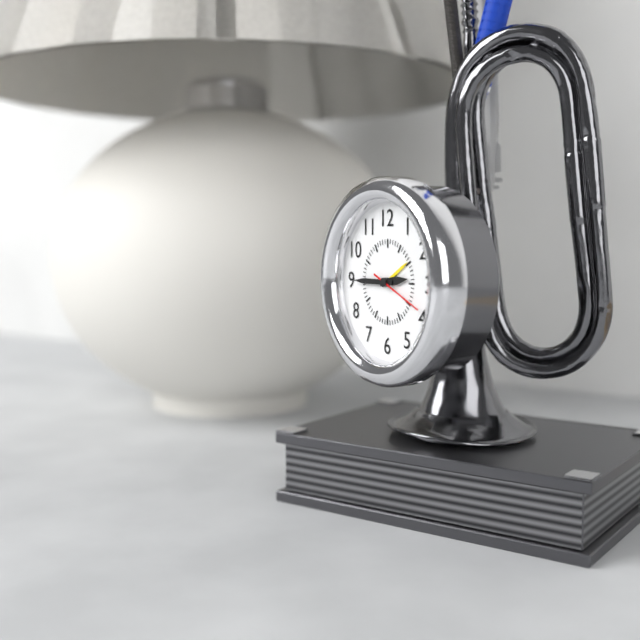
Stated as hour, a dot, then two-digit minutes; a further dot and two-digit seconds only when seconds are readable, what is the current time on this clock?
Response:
2.45
